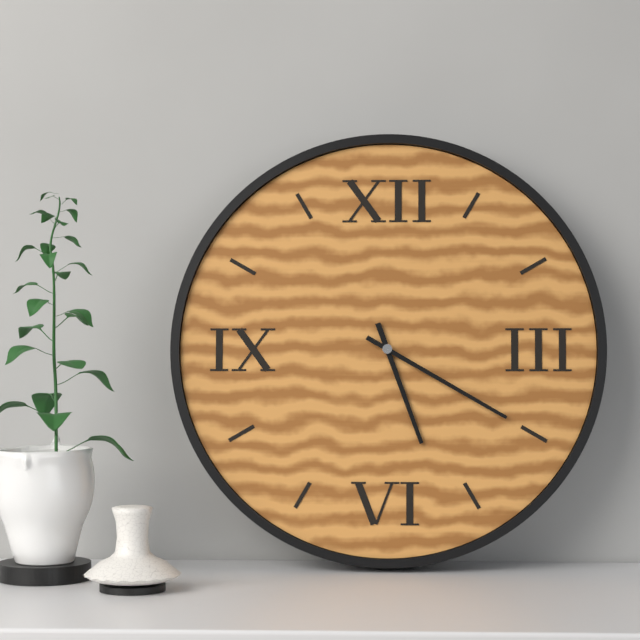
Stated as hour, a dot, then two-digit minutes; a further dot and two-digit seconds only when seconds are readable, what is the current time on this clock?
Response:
5.20
